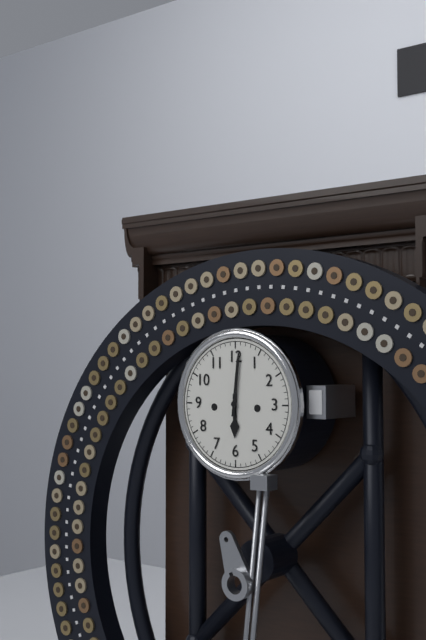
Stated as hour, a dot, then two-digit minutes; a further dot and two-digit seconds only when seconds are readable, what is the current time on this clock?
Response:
6.01
